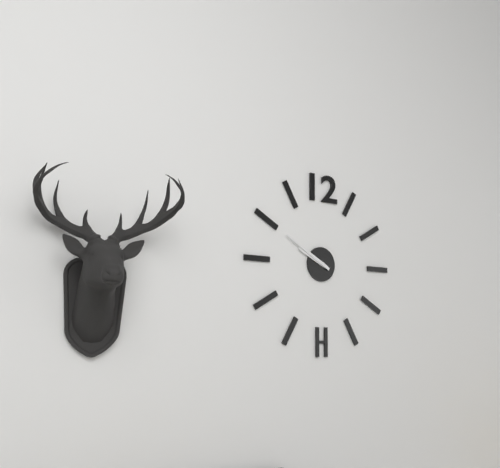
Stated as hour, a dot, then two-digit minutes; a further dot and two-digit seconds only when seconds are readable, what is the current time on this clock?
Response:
9.50
